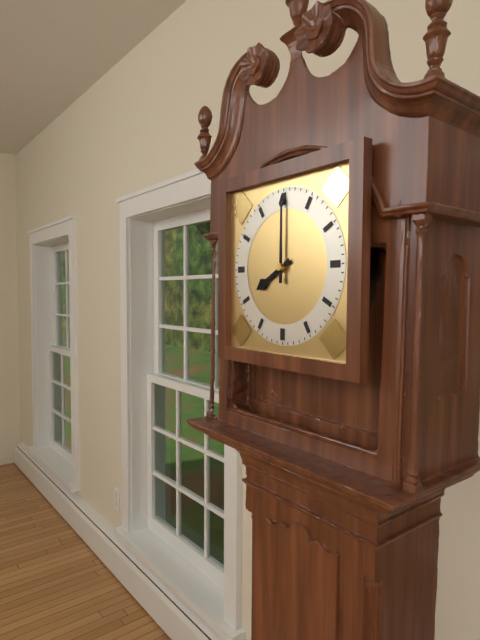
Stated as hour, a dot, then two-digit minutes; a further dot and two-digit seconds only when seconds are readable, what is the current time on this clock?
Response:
8.00
